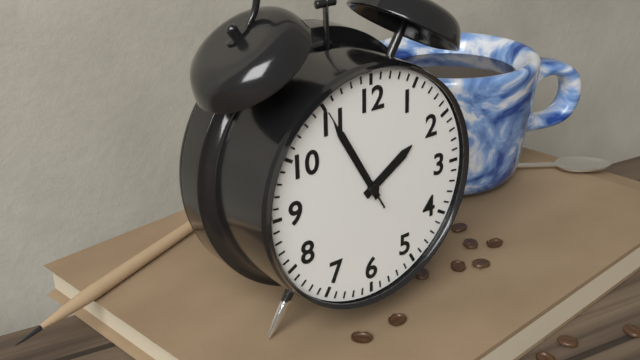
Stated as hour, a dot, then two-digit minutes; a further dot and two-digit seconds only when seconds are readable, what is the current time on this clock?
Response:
1.55.55
